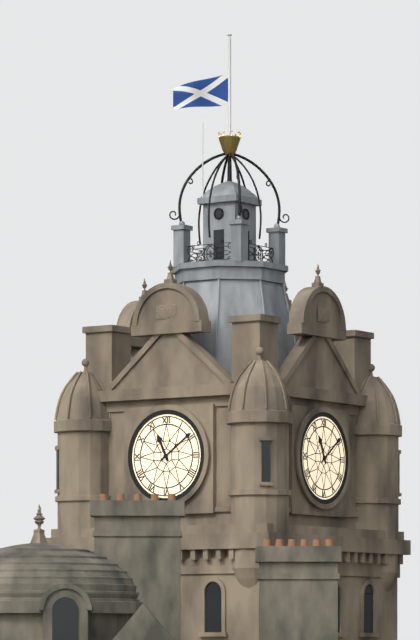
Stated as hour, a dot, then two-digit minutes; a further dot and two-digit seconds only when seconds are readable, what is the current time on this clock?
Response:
11.09
